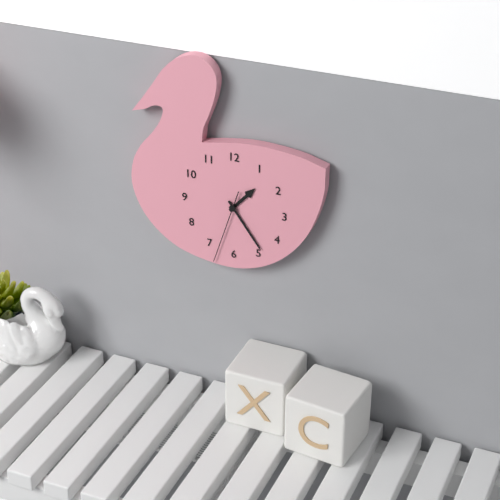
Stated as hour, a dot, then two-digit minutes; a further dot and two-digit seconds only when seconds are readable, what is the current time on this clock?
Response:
1.24.33
